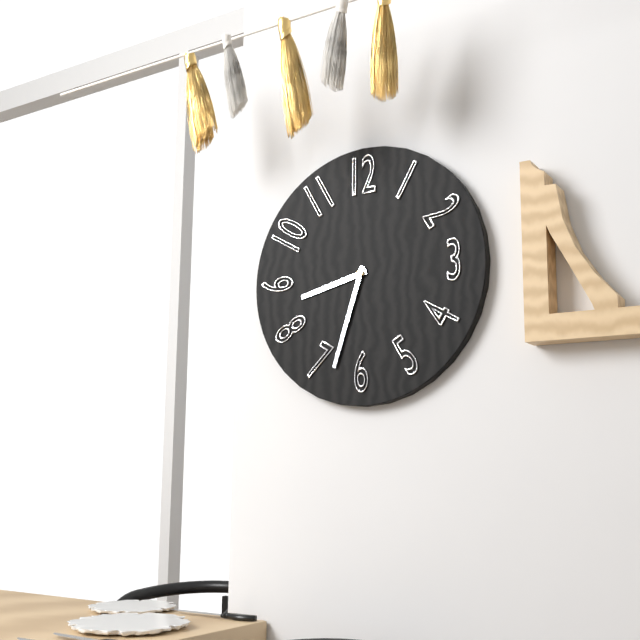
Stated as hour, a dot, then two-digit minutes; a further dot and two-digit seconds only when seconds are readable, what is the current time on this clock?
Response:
8.33
